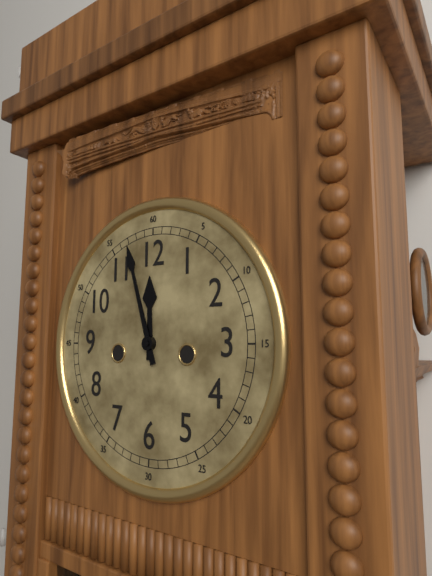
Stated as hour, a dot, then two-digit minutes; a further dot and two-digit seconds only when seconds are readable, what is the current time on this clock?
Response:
11.57
